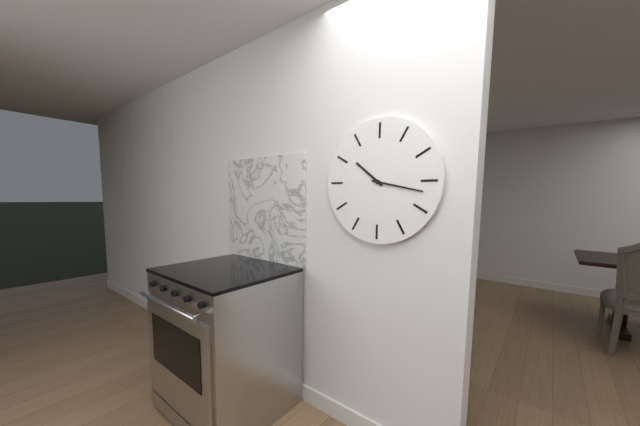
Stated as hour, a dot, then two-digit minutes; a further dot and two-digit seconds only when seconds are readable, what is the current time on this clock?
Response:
10.17
